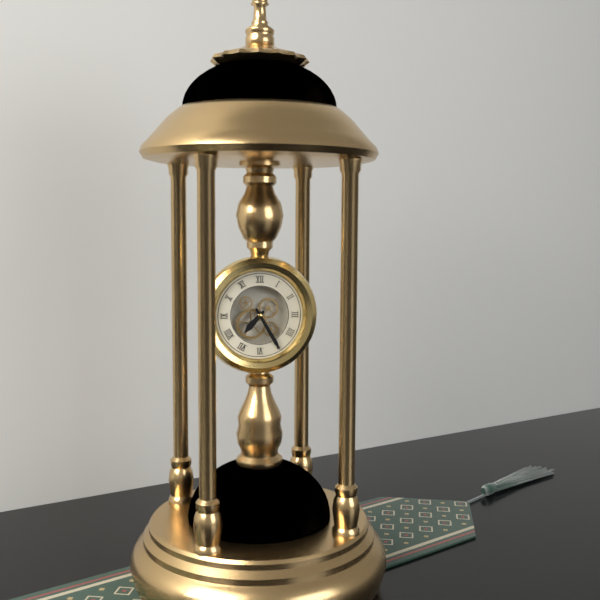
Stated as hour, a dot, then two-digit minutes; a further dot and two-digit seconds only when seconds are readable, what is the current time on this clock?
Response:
7.25
